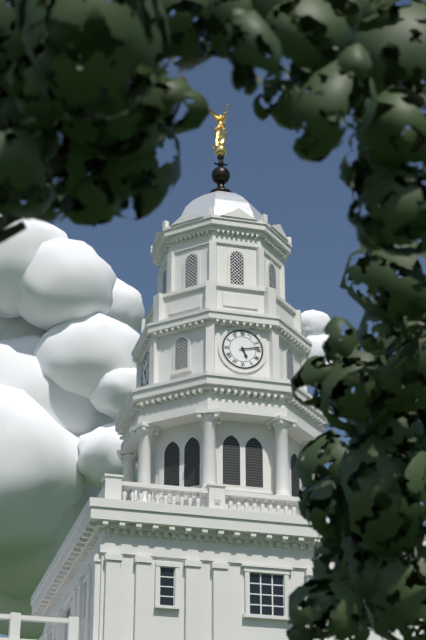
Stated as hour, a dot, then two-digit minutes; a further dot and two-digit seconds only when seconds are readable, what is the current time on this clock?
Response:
5.13
